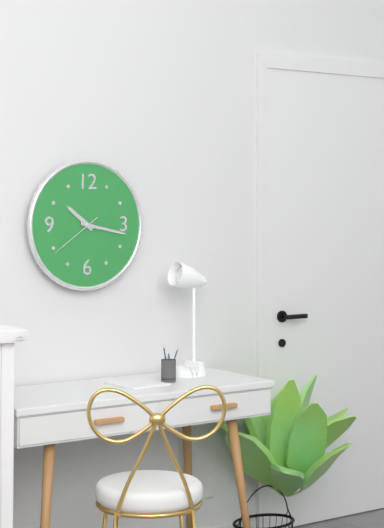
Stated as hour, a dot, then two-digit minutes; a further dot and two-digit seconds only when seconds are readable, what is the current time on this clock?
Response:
10.17.39
